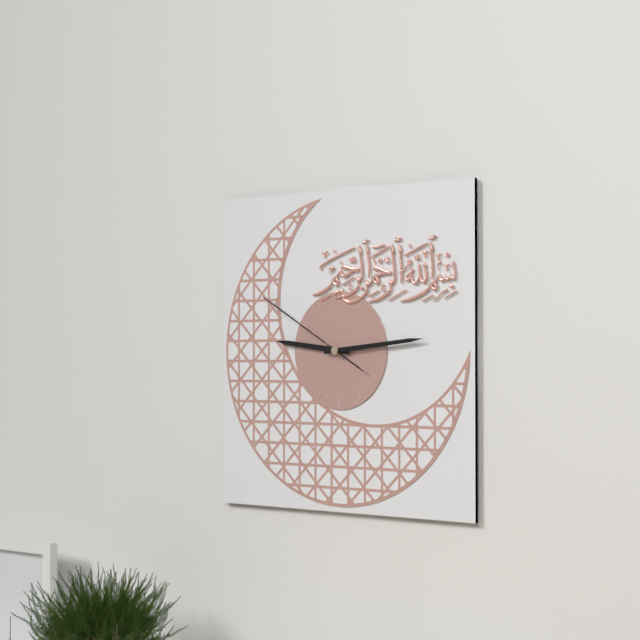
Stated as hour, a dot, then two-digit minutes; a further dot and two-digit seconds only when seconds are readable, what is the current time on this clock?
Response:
9.14.50
